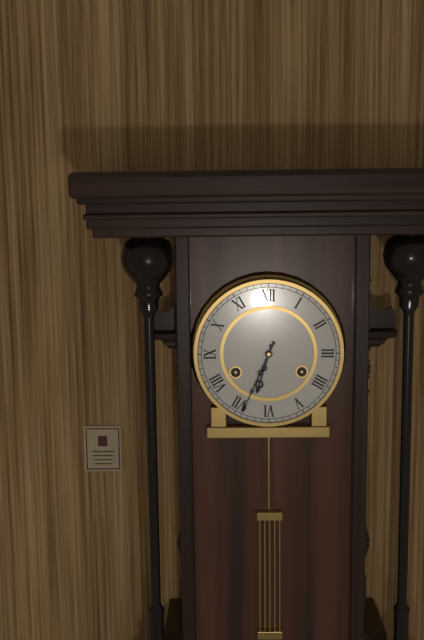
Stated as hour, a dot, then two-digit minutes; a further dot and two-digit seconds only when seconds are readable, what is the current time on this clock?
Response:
6.34
